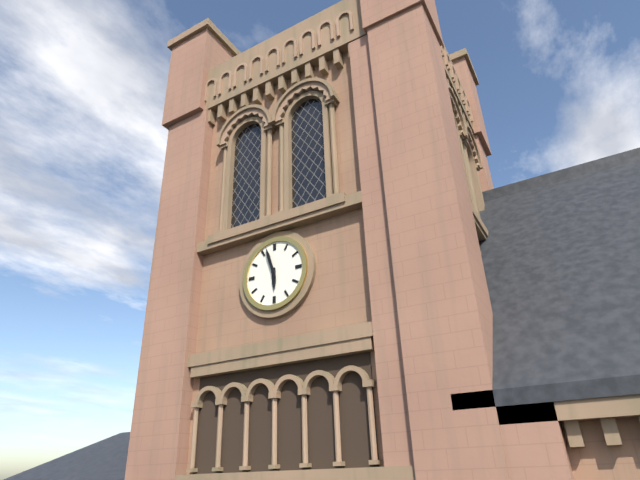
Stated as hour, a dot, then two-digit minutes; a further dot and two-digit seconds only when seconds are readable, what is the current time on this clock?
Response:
5.57
